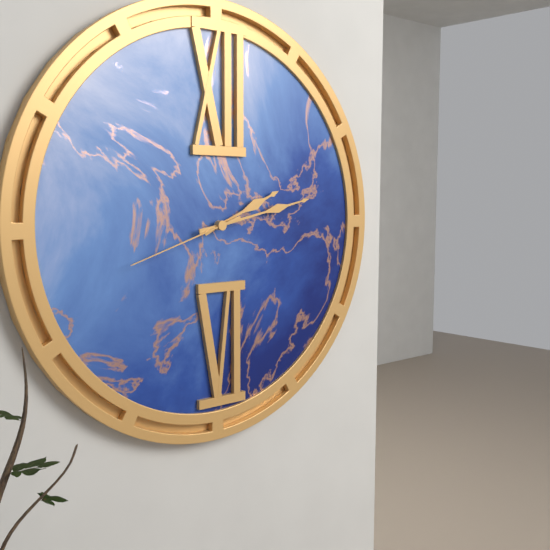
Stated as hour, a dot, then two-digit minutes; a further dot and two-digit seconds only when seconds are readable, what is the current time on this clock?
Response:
2.13.42
